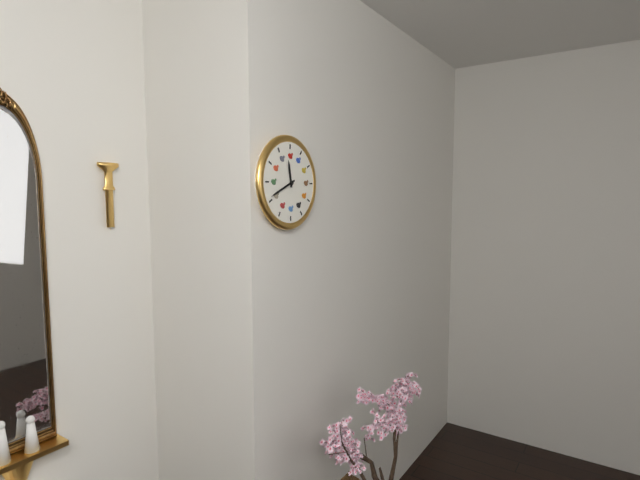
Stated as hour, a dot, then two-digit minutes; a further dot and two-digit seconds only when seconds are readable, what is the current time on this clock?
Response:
11.41
